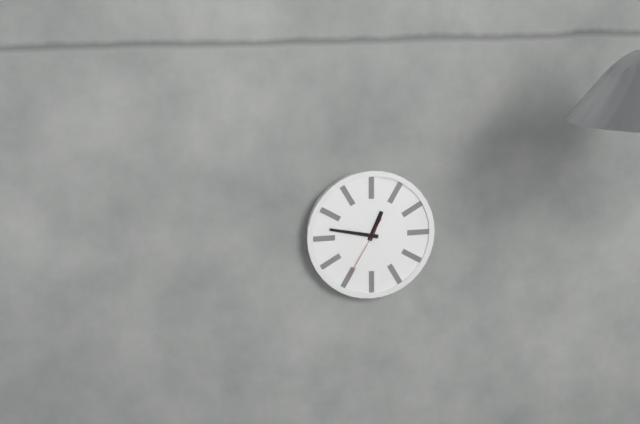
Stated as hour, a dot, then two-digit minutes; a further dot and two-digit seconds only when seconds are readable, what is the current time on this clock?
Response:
12.47.35
